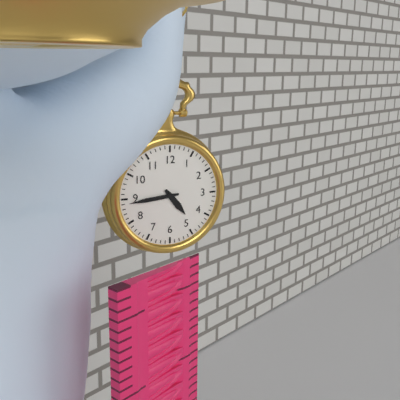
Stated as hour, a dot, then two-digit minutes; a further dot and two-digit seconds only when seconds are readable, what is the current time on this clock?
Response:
4.44
